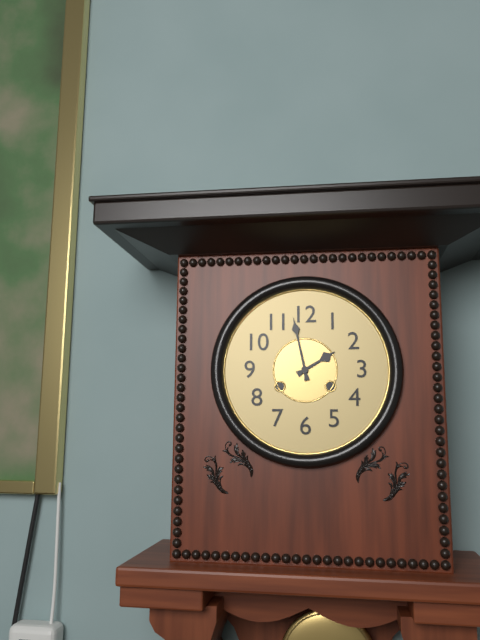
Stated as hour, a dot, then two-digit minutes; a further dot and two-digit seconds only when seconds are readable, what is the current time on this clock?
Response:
1.58
